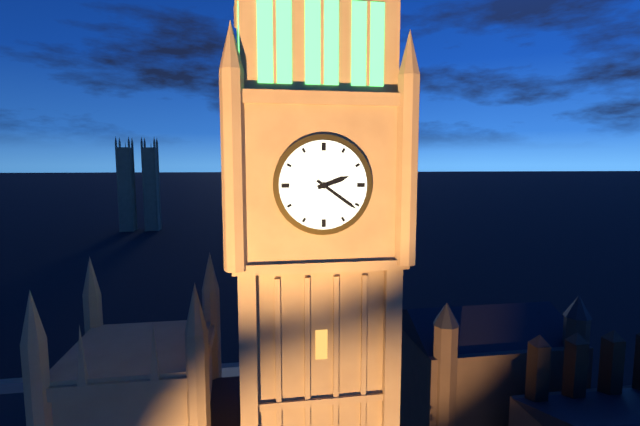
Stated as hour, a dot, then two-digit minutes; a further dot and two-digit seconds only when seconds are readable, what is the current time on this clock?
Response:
2.21
